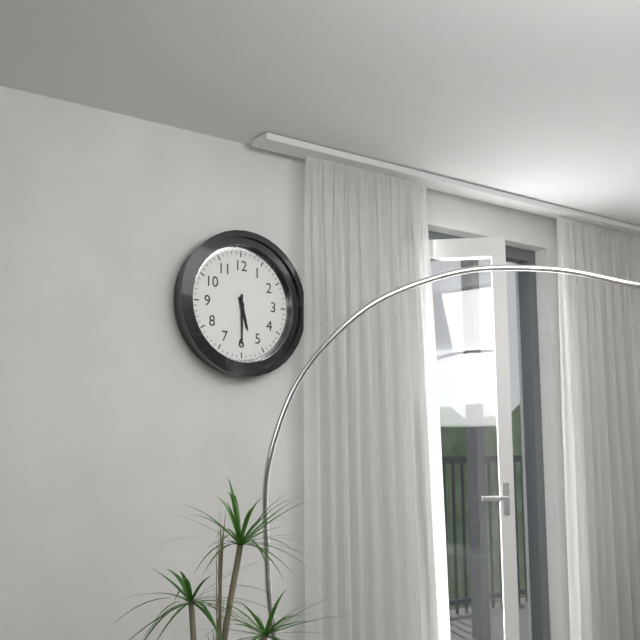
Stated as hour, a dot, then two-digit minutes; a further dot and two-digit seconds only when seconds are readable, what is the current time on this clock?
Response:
5.30
